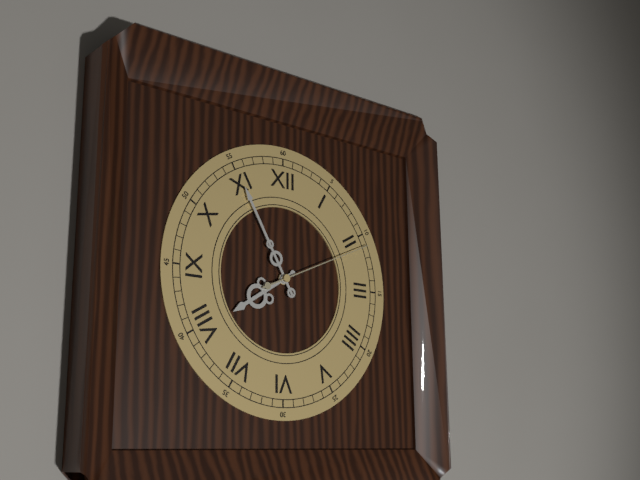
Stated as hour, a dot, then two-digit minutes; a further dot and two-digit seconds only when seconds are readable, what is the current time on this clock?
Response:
7.55.11
